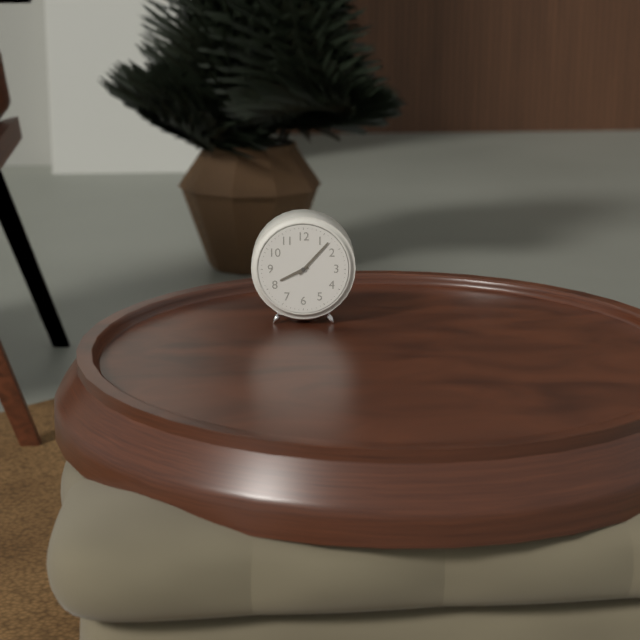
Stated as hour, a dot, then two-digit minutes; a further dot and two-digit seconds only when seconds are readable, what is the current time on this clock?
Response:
8.07
